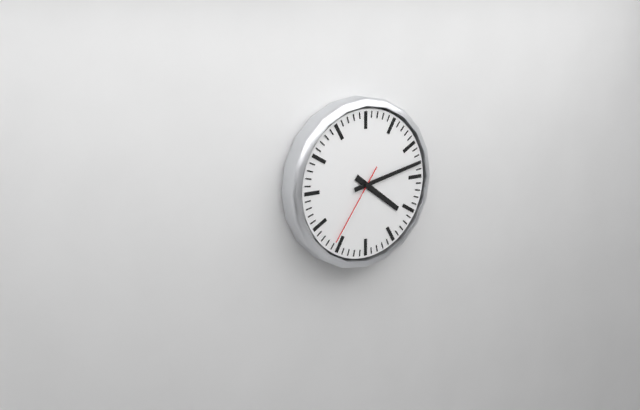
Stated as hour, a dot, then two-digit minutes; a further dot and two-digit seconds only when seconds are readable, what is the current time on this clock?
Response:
4.13.36
